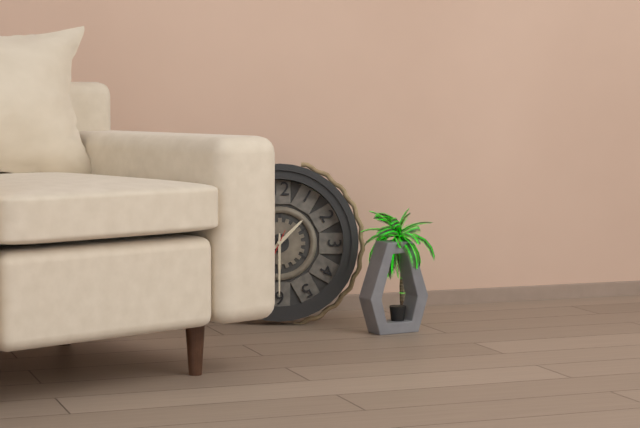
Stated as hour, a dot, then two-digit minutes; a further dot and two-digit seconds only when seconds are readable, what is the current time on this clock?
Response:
1.30
